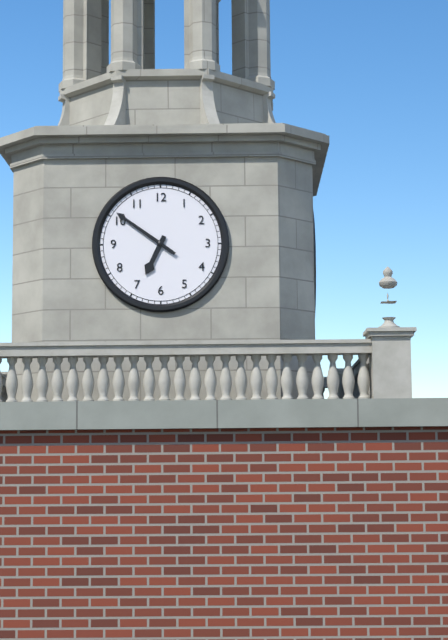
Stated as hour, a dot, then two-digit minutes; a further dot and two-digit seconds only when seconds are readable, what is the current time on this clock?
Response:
6.51
